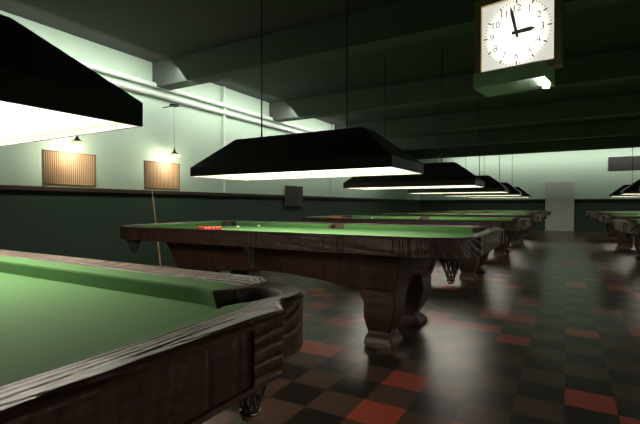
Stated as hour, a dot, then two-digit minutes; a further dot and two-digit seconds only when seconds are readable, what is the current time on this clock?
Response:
2.58
